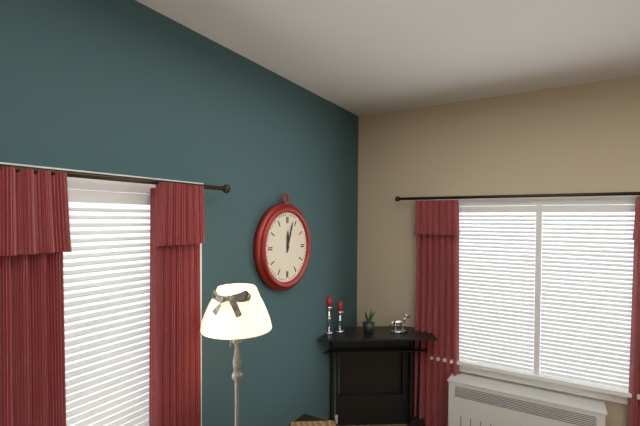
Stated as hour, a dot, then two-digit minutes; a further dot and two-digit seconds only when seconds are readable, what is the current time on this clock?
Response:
12.03
